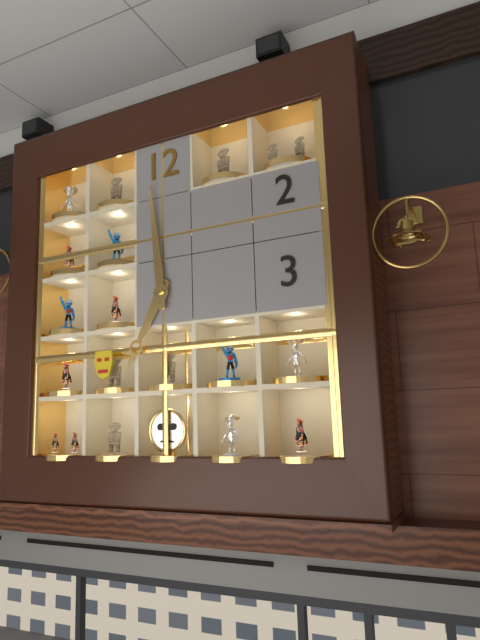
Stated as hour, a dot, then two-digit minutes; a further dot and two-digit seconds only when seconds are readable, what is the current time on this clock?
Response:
6.59
